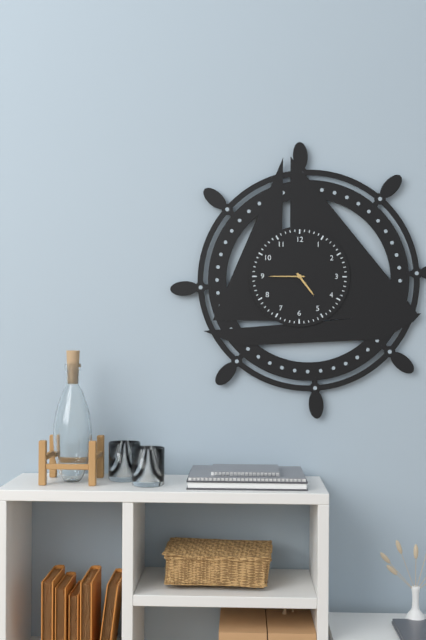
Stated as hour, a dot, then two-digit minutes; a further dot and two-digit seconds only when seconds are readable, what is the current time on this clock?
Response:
4.45
